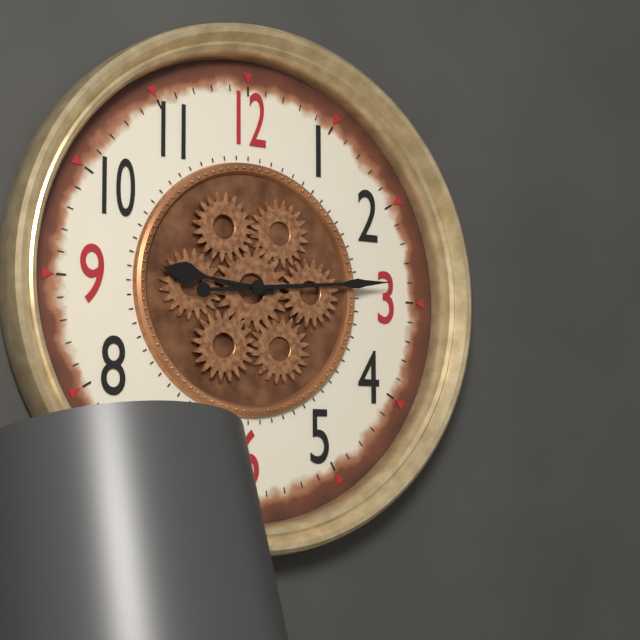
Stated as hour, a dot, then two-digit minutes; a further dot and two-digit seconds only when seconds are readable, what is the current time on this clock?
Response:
9.14
